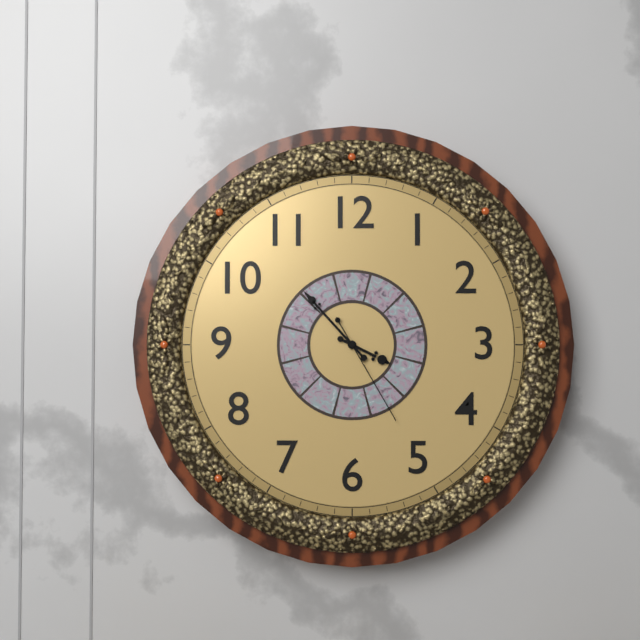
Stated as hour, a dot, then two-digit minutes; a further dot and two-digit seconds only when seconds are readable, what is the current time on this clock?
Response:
3.53.25
